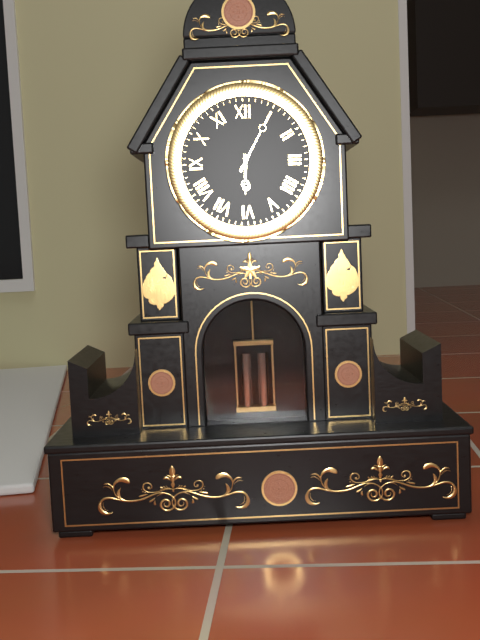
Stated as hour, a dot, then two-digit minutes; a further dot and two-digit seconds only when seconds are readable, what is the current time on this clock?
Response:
6.05
